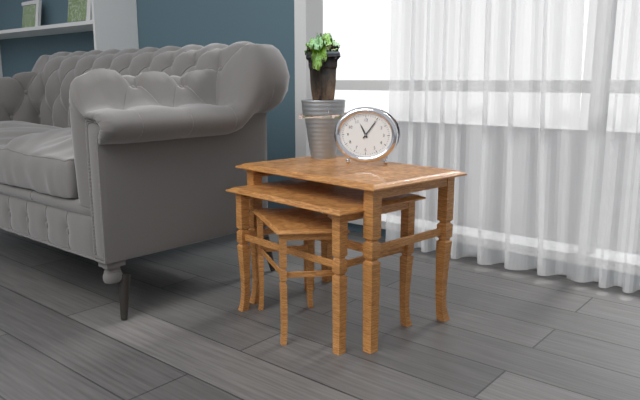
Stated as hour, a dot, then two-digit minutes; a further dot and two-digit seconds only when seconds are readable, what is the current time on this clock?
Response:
11.06
